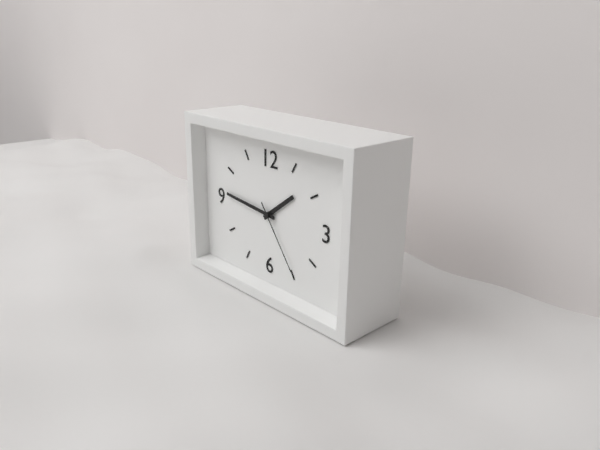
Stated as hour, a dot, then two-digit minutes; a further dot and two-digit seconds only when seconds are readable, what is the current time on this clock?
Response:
1.46.24
